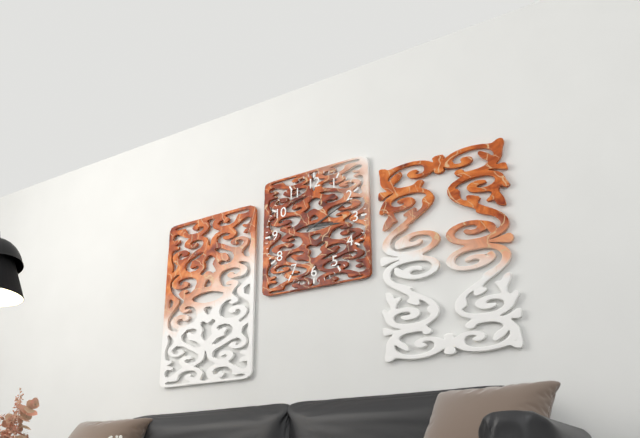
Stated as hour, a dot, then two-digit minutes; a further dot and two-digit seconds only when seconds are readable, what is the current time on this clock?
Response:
3.11
